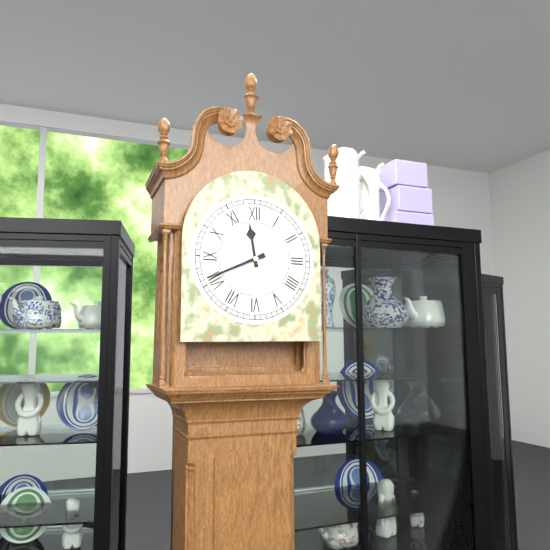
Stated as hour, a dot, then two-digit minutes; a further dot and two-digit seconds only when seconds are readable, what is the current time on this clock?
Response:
11.41
